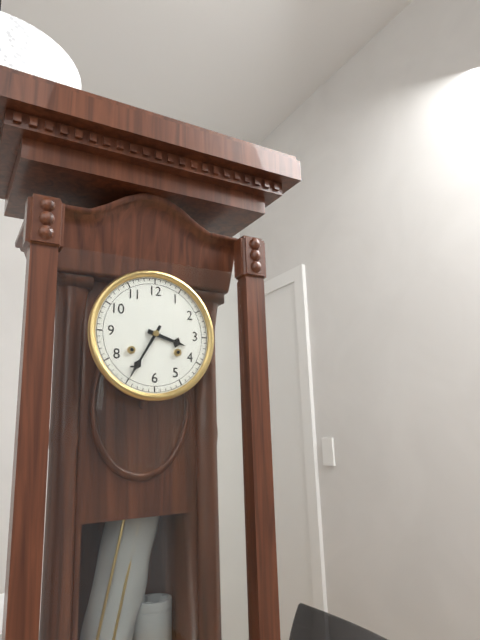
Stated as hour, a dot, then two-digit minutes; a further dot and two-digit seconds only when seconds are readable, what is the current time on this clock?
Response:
3.35
